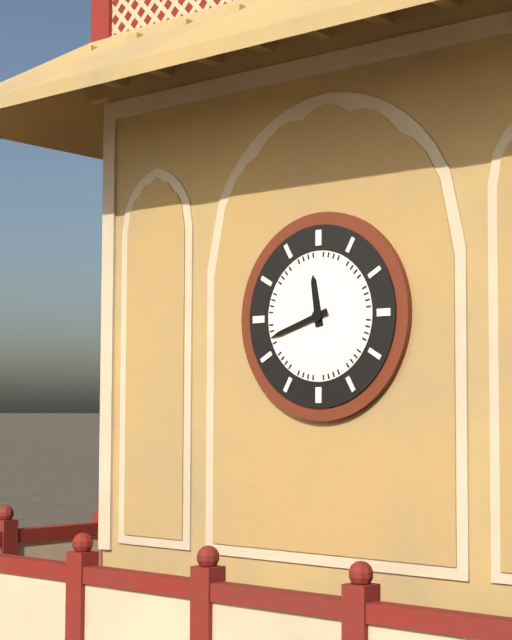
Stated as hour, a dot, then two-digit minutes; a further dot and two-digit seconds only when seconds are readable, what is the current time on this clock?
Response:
11.42
